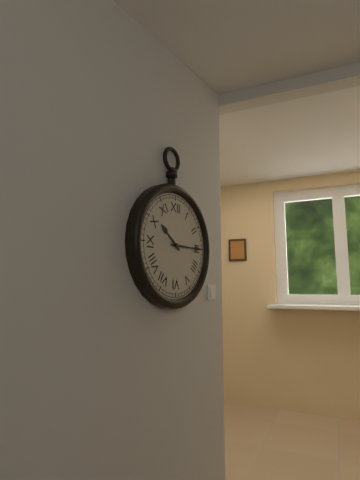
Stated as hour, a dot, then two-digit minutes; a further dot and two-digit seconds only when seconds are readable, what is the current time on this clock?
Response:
10.15
